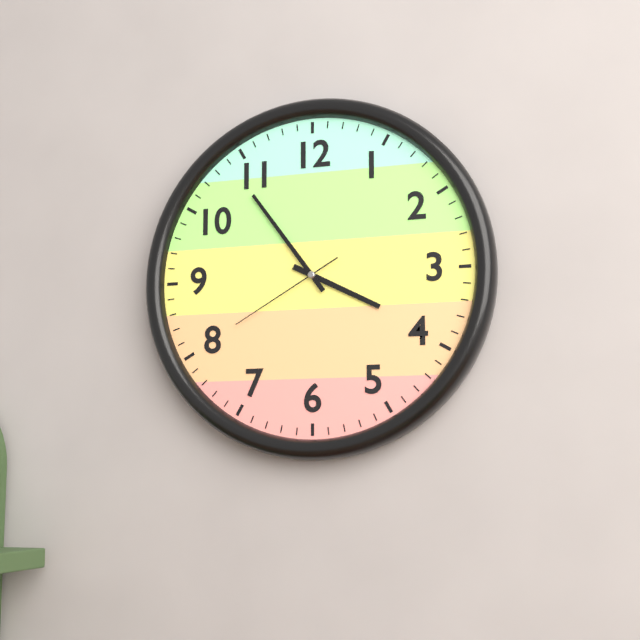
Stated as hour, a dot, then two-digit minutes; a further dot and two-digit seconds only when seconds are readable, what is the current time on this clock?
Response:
3.54.40
